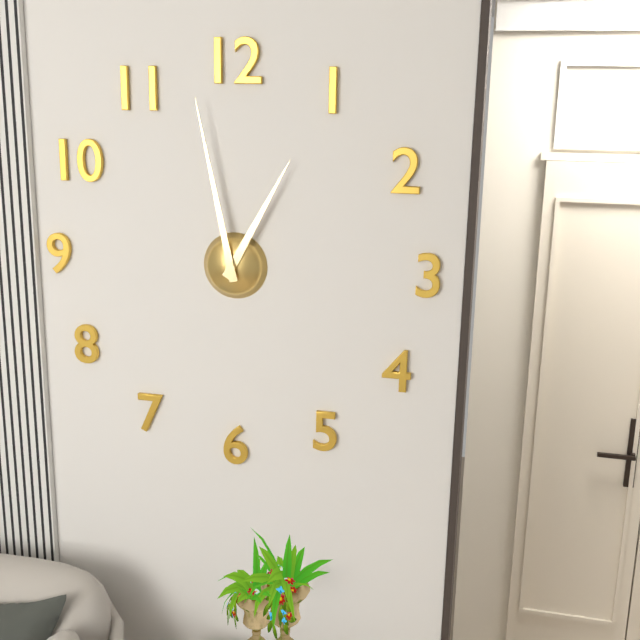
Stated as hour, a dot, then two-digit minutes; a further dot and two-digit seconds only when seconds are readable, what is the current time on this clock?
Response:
12.58
